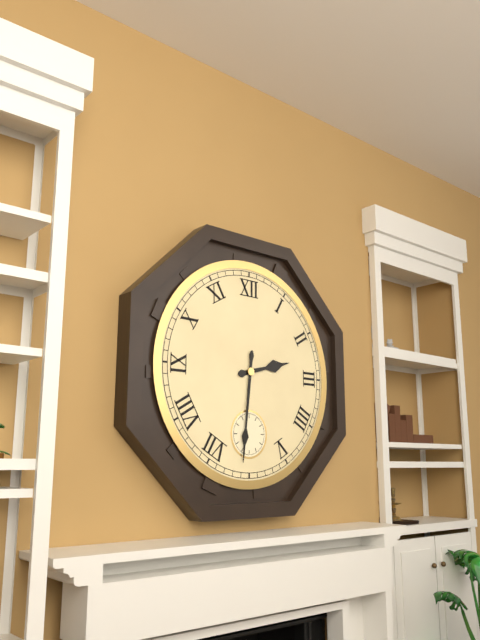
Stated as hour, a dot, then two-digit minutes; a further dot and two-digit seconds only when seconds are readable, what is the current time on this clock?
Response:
2.31
